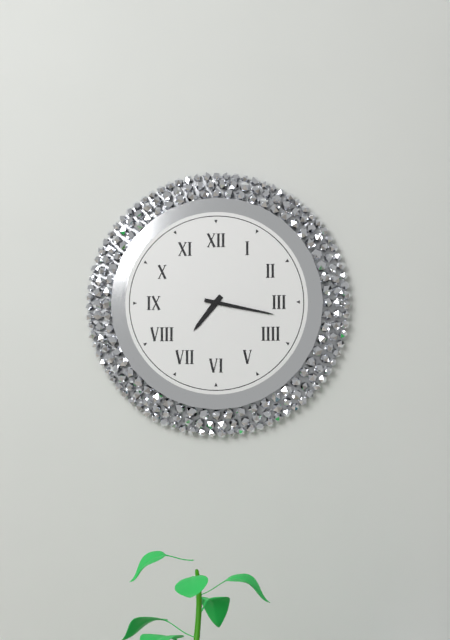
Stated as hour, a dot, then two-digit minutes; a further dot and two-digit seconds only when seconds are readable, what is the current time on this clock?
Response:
7.17
